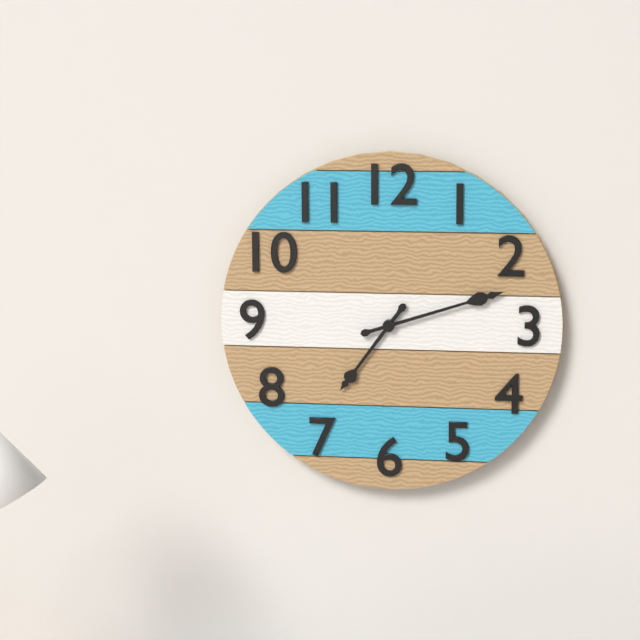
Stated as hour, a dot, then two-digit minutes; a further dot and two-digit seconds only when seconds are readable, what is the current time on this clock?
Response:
7.12
